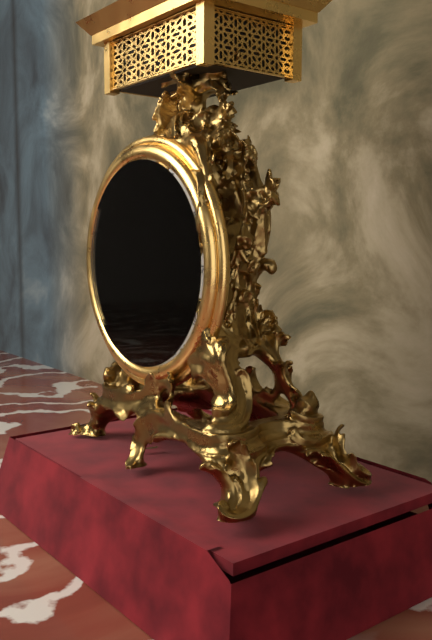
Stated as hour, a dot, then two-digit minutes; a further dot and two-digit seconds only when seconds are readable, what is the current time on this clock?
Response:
12.06
